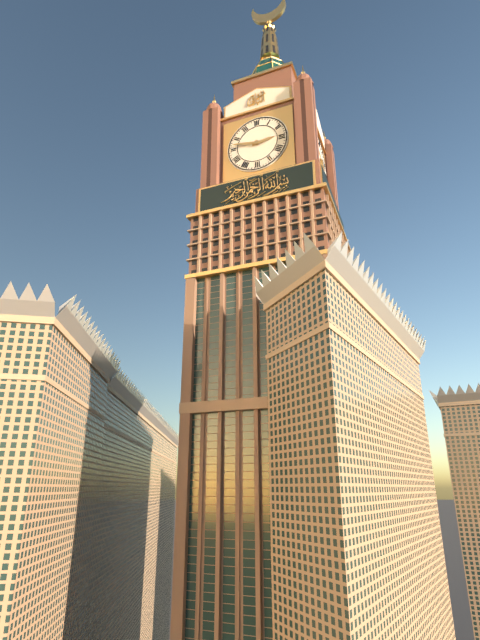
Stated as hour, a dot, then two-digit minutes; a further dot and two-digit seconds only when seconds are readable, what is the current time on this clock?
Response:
2.47
